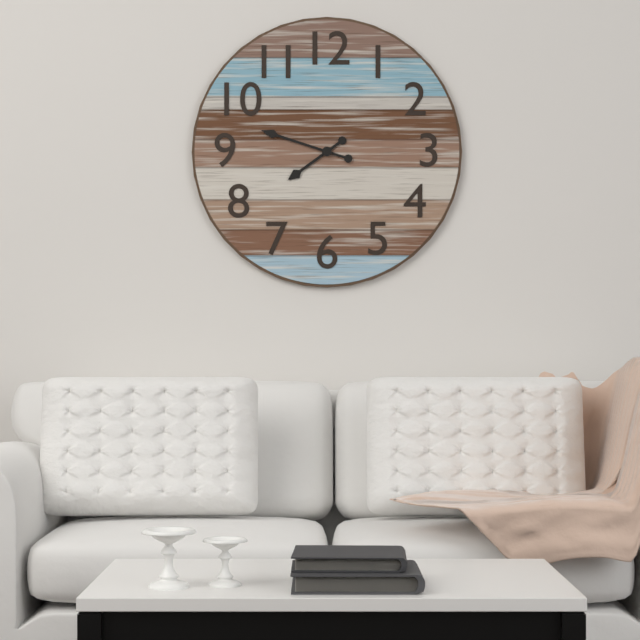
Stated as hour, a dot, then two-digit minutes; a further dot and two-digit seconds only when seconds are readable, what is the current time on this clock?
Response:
7.48
